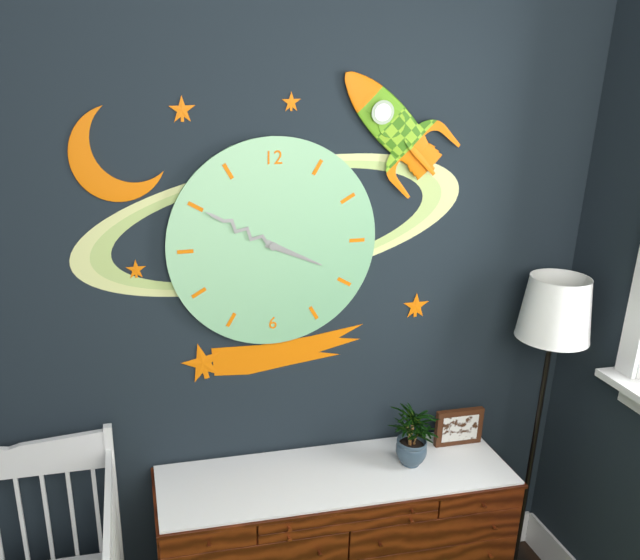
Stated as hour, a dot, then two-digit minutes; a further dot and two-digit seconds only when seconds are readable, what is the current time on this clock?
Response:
3.50
